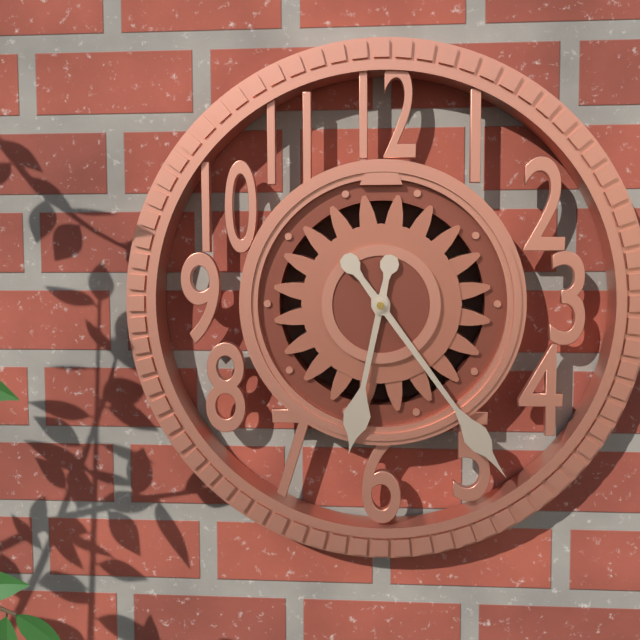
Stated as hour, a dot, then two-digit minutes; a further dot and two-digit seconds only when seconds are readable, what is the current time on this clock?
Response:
6.24
